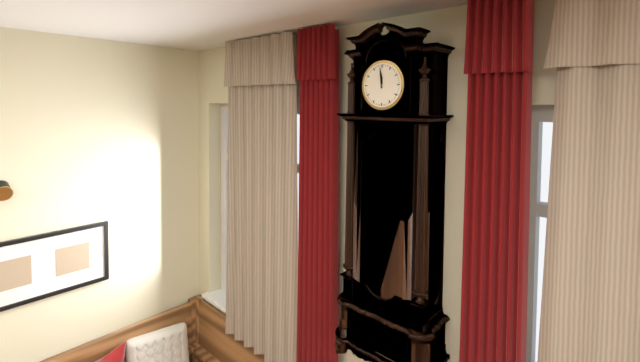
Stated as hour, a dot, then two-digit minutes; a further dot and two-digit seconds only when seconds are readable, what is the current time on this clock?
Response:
11.59
